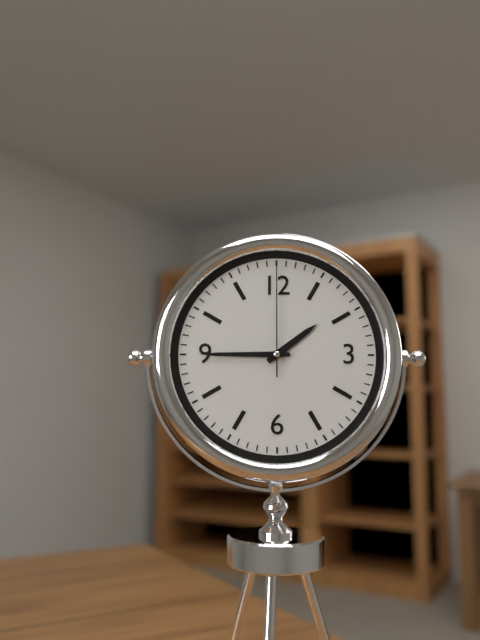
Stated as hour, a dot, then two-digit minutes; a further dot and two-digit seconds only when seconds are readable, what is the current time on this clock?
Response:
1.45.00
